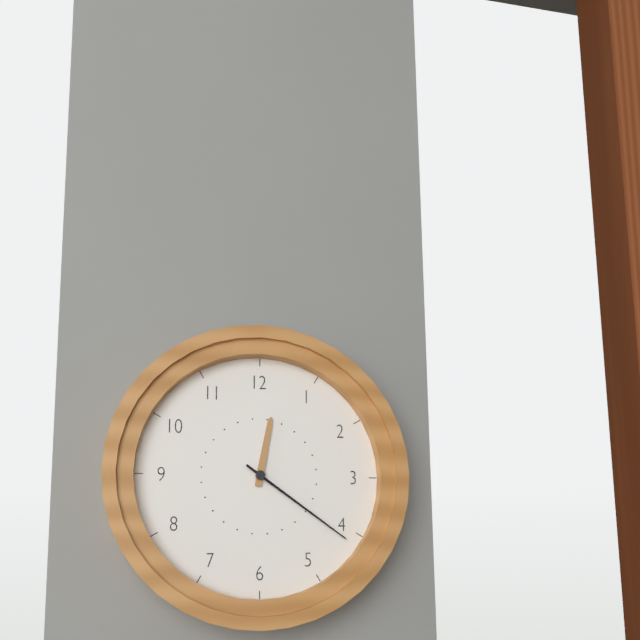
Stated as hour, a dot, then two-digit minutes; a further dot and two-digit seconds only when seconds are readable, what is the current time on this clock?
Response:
12.21
